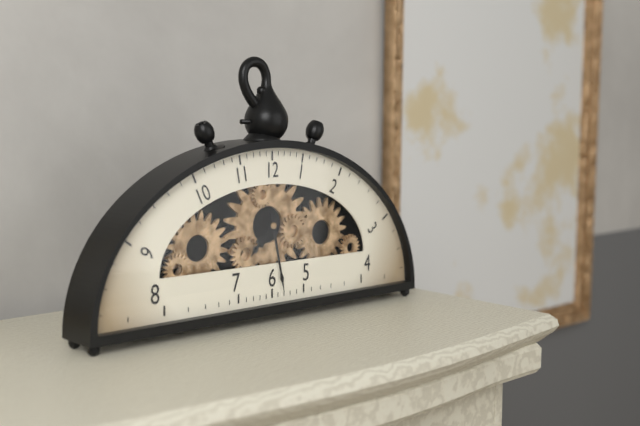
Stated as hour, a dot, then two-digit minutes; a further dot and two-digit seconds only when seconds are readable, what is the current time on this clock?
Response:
7.28
